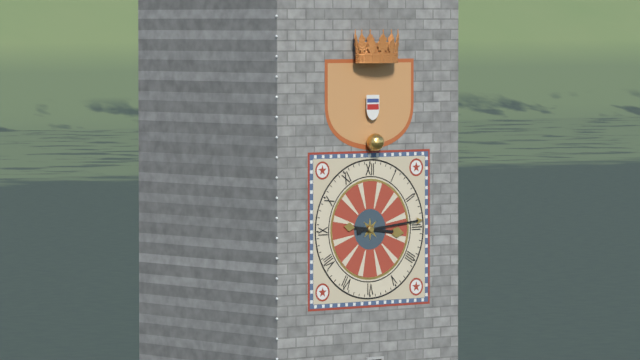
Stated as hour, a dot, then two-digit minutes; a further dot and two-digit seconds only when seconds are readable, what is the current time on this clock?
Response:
3.14
